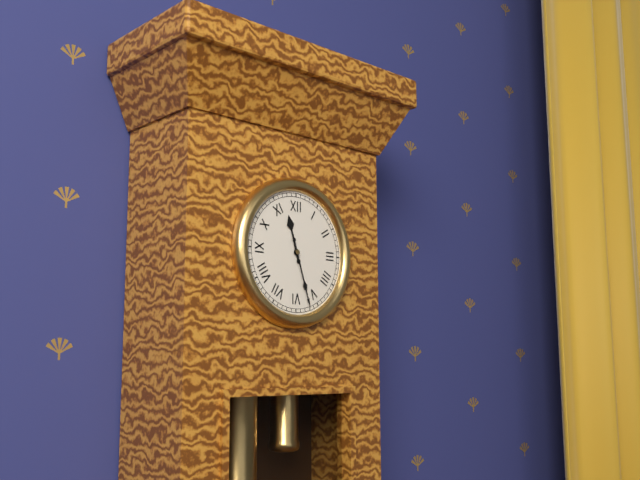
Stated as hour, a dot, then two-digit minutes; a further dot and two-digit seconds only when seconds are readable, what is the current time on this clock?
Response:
11.27
